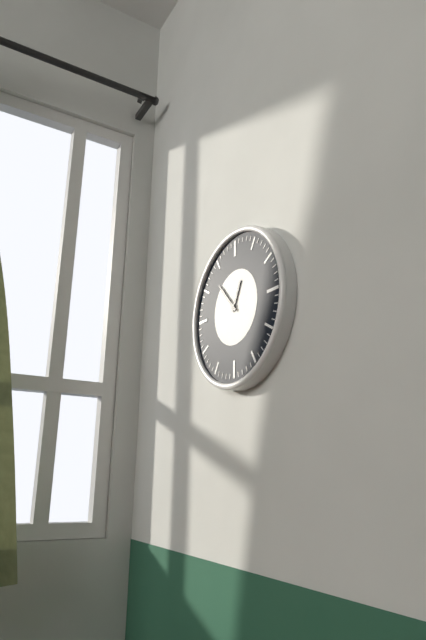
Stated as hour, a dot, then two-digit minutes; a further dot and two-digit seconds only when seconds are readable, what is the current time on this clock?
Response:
12.53
